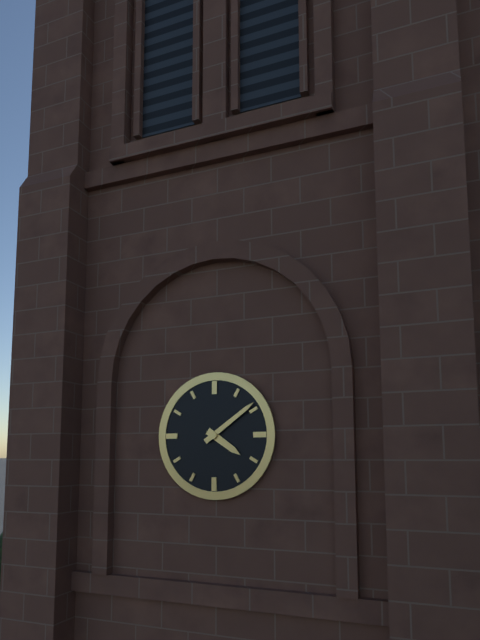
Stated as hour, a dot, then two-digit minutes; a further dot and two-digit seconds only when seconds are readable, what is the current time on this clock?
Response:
4.09
